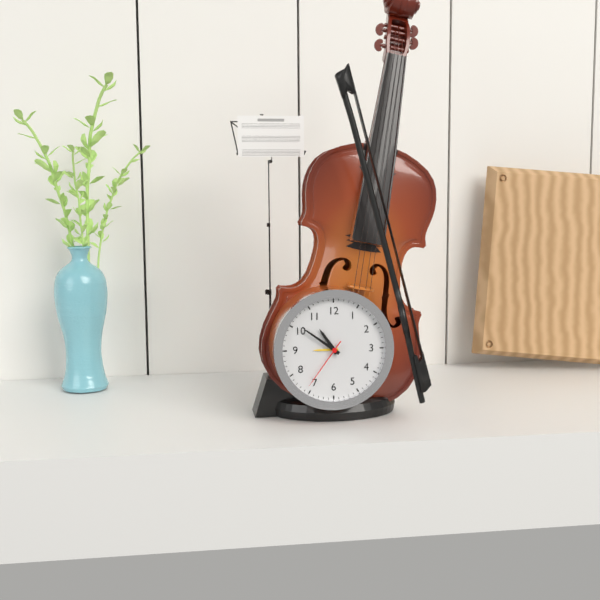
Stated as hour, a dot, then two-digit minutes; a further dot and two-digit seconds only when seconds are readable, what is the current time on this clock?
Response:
10.51.36
